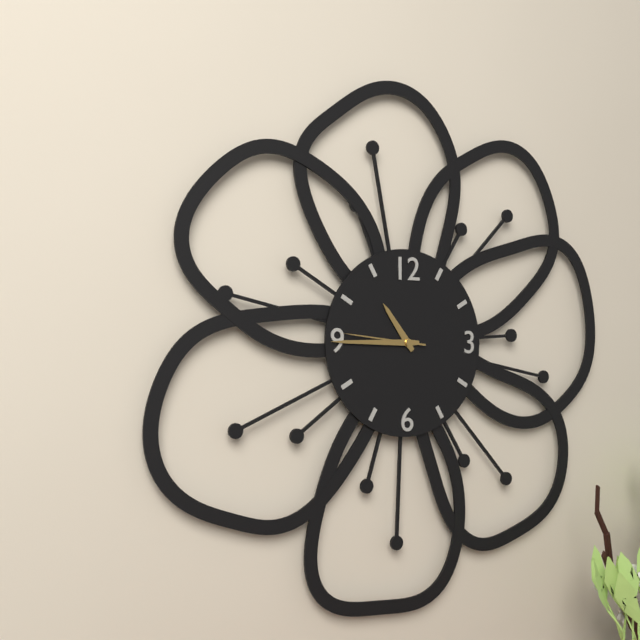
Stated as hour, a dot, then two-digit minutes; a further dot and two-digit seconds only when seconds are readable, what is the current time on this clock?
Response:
10.45.46
